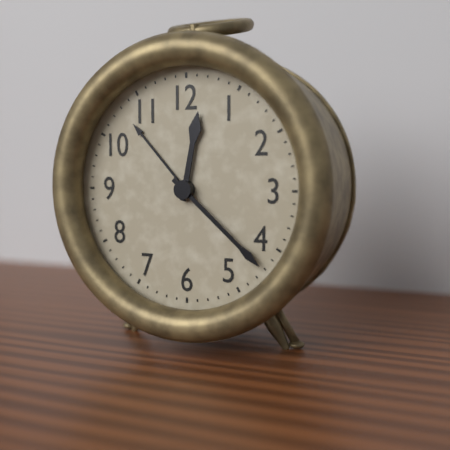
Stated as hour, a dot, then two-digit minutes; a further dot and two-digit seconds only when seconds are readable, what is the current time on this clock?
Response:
12.22
